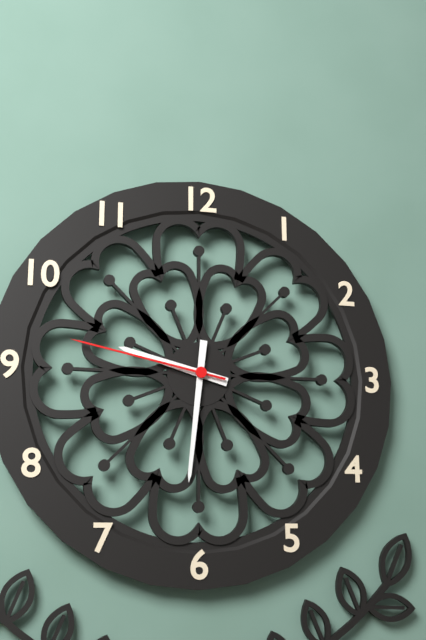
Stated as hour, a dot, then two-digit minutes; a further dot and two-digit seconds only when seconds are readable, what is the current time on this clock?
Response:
9.31.47
